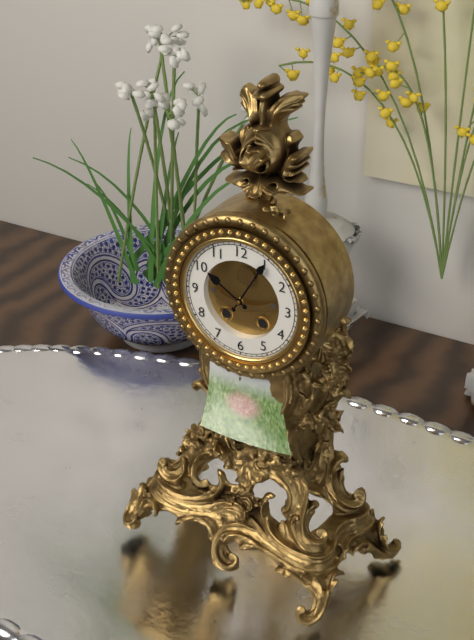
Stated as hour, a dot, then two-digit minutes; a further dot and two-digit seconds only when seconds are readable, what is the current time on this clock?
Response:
10.05
